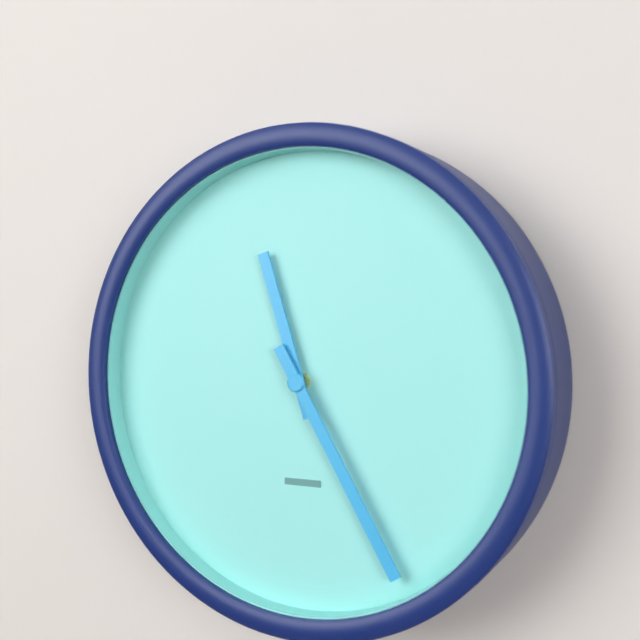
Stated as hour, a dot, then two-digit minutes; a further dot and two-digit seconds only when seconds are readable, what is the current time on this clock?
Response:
11.25
